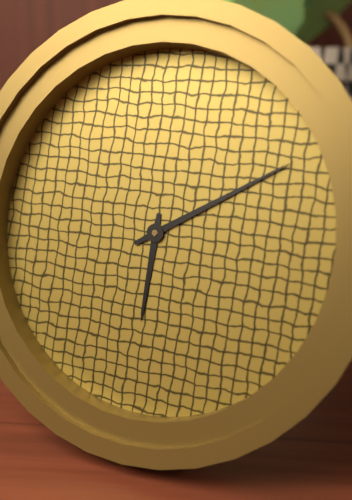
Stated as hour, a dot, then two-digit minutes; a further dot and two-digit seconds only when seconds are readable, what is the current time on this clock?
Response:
6.10
